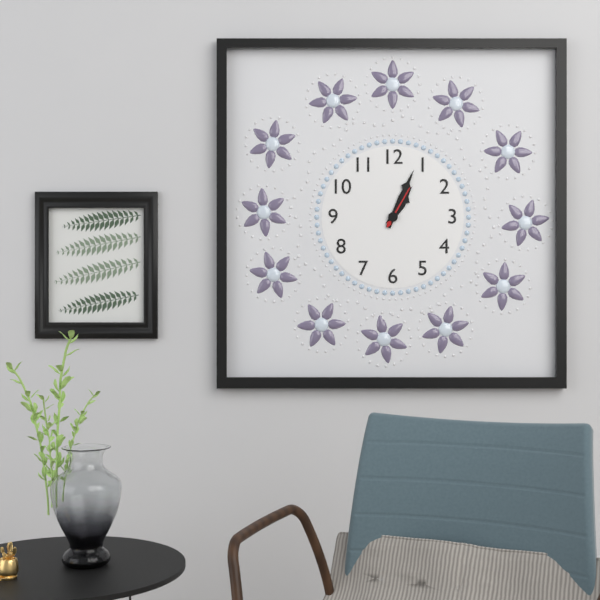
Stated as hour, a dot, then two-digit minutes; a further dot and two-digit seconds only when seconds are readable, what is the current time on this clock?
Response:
1.04
